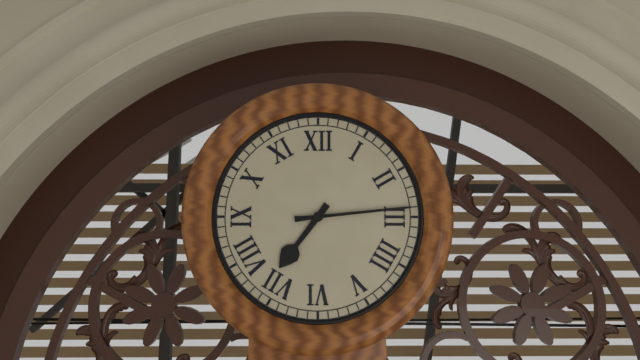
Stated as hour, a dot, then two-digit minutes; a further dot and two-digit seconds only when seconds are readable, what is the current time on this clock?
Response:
7.14
